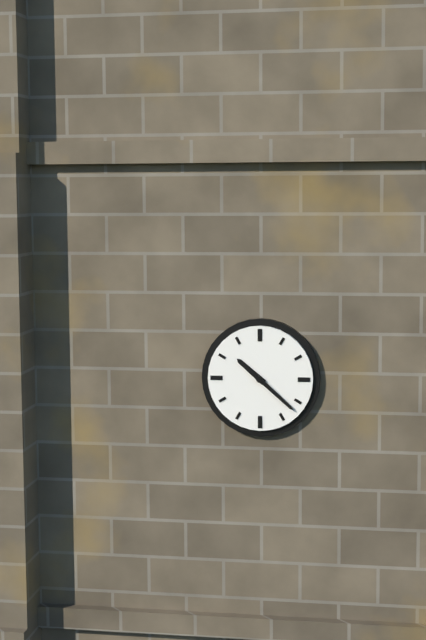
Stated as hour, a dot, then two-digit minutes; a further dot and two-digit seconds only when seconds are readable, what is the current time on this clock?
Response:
10.22
